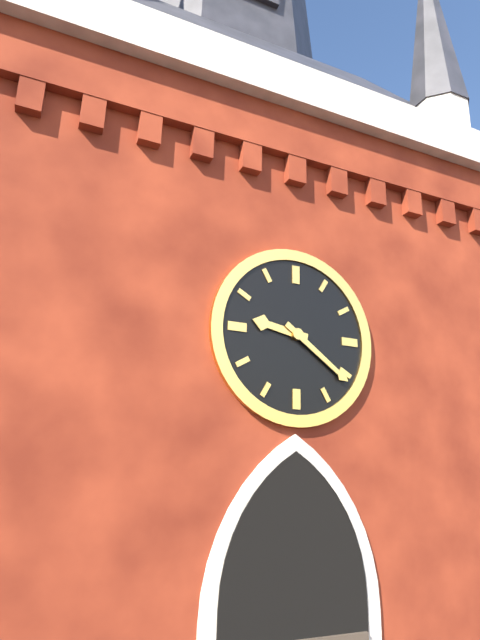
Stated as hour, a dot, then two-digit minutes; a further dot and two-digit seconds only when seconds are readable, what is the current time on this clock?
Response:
9.21
